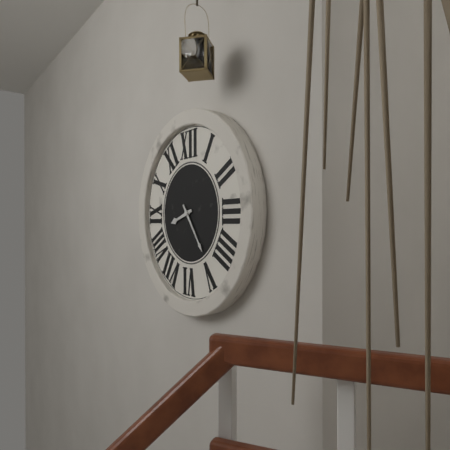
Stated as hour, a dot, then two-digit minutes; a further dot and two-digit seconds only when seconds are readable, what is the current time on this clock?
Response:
8.24
